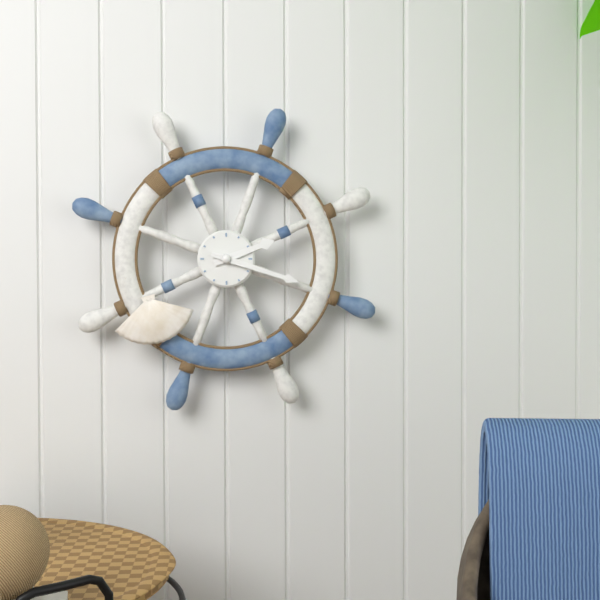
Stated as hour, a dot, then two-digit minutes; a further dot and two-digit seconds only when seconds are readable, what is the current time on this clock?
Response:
2.18
